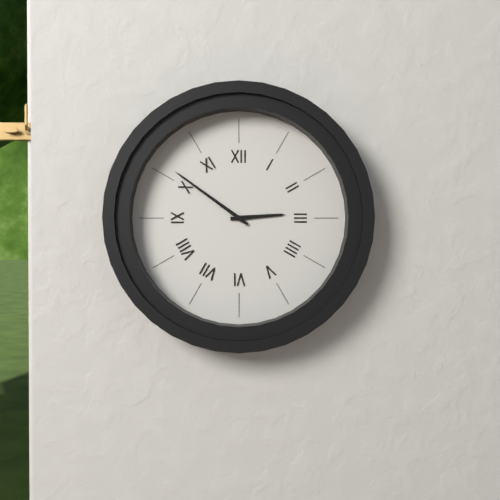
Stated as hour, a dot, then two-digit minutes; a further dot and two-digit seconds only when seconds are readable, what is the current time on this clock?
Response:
2.51
